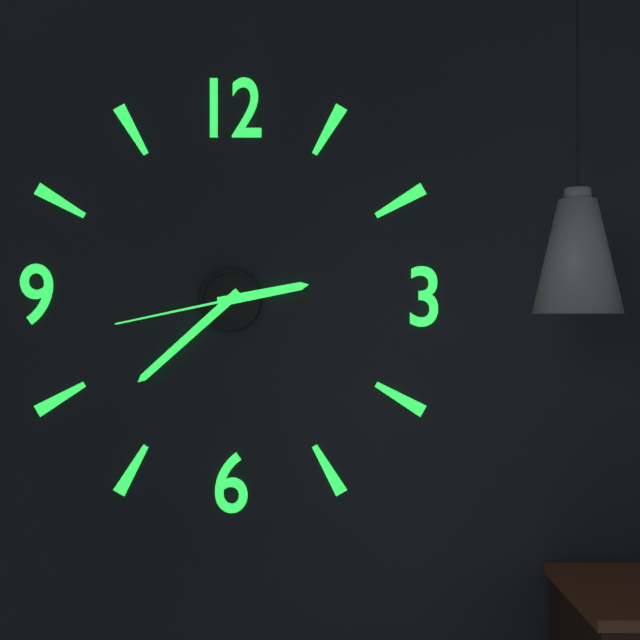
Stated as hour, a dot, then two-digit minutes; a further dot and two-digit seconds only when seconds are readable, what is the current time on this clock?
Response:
2.38.43
